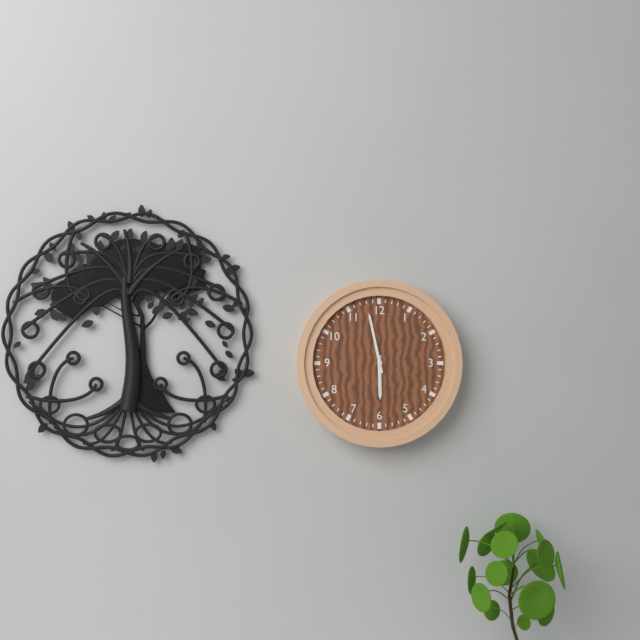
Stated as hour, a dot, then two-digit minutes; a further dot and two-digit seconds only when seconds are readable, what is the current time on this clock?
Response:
5.58
